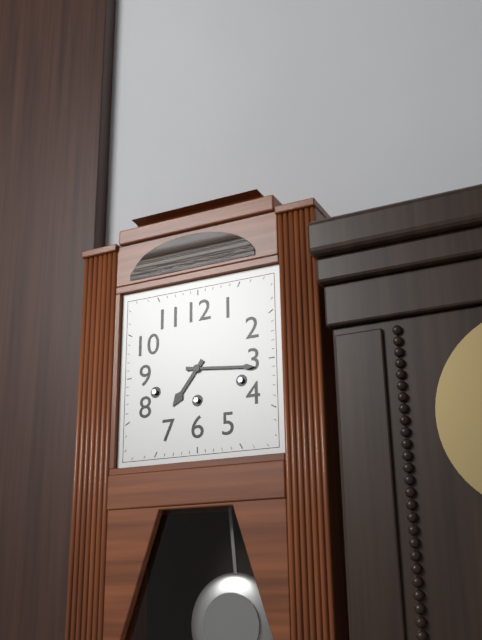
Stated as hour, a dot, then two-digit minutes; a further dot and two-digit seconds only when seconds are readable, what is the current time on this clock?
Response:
7.16
